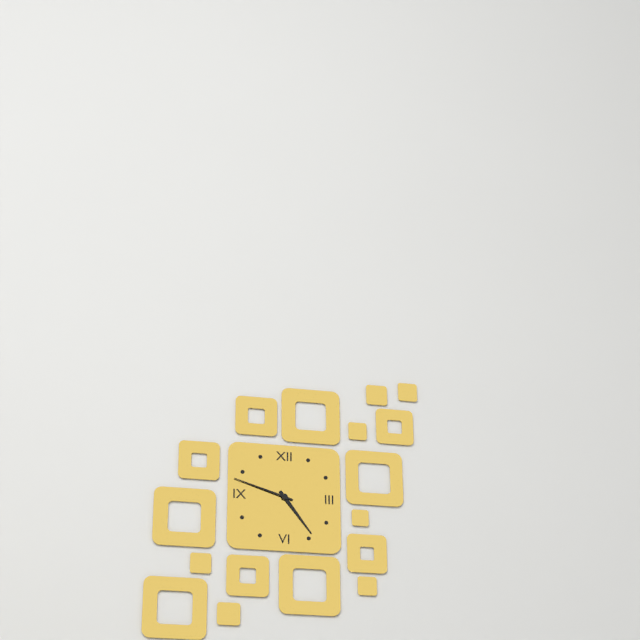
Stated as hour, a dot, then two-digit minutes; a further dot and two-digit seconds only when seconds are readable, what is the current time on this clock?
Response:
4.48
